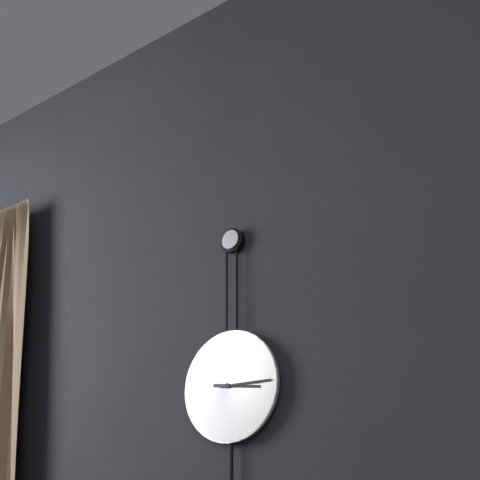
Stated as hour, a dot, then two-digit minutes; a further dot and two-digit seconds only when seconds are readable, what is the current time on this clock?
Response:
3.15
